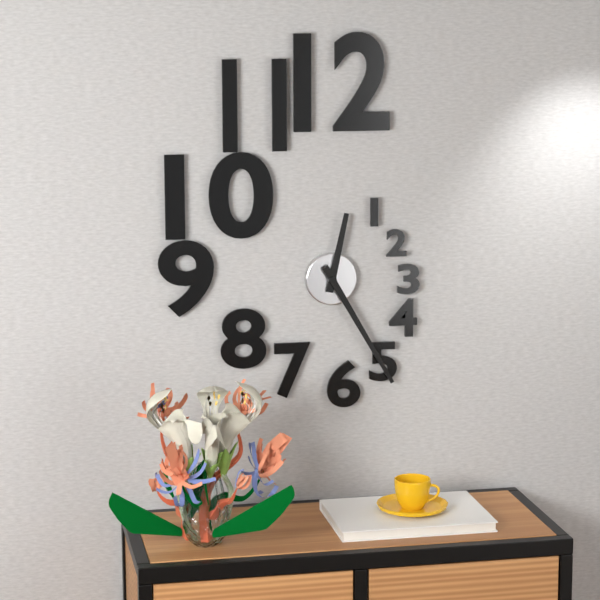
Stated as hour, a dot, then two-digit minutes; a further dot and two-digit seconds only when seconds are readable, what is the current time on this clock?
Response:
12.25
